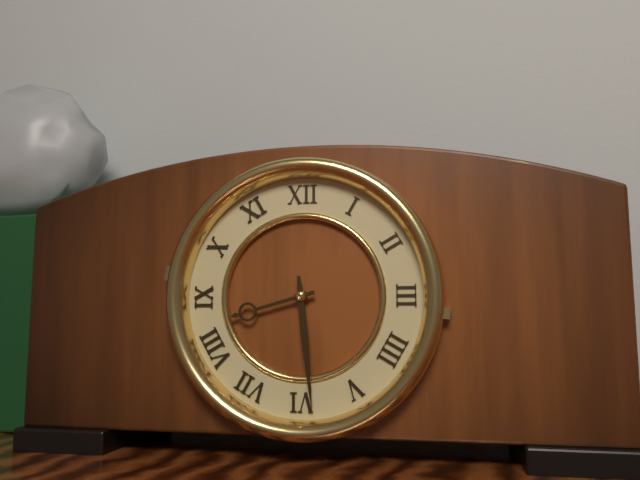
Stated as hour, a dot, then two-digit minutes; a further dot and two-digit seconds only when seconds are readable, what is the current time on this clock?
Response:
8.29
